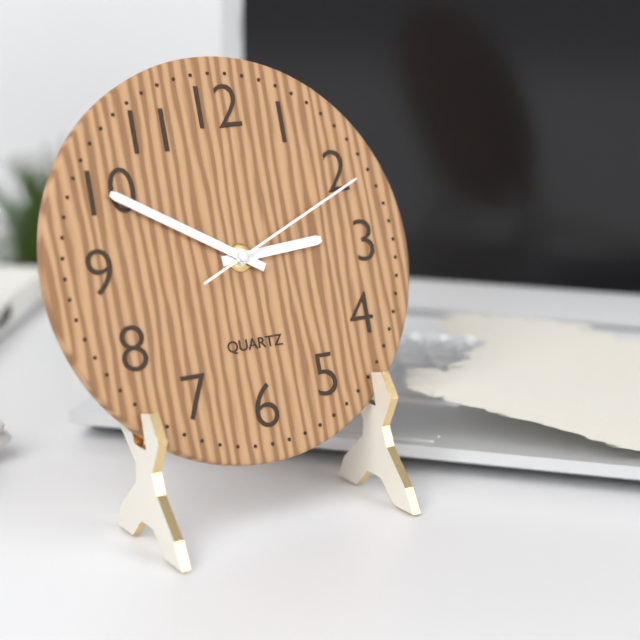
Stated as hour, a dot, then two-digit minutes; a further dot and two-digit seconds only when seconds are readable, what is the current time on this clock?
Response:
2.50.11
